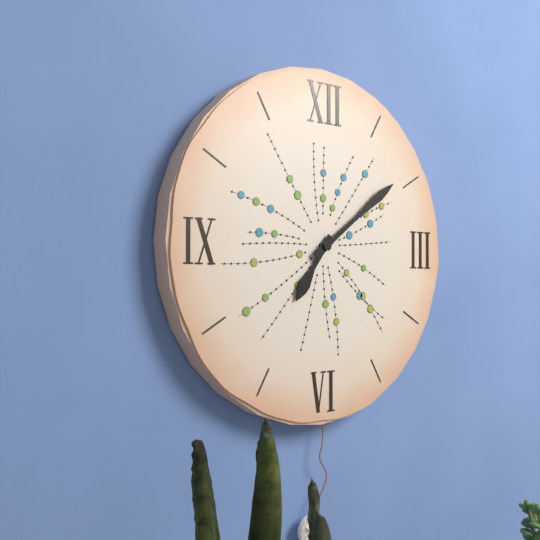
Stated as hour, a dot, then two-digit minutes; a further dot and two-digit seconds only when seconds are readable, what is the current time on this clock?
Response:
7.09
